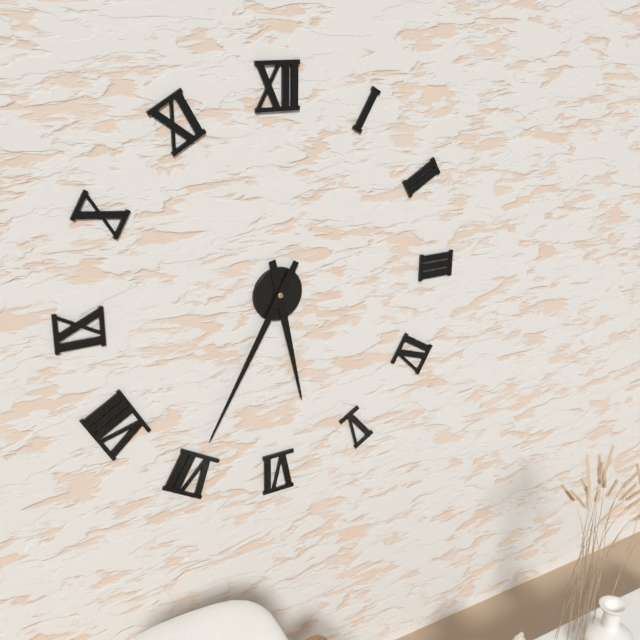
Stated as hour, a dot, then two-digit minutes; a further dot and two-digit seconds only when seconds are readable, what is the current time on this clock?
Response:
5.35
